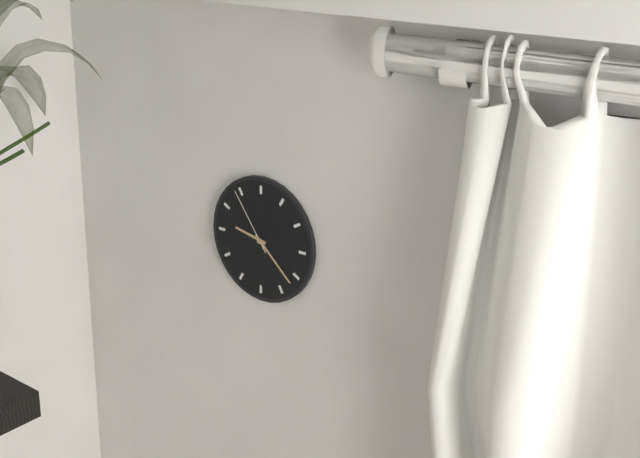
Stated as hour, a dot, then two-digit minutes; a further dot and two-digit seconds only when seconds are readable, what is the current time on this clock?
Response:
9.22.54
